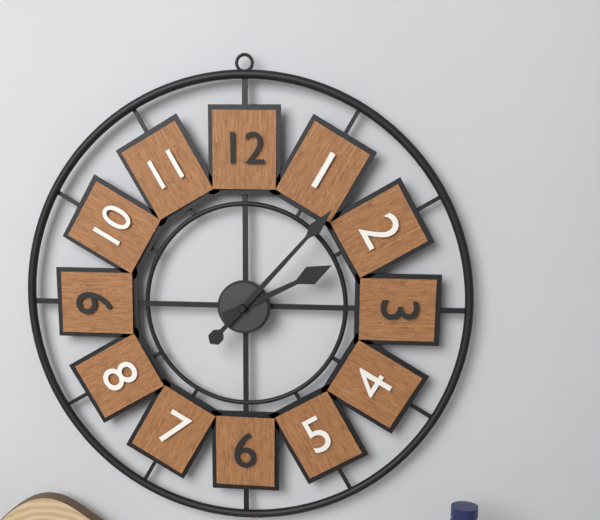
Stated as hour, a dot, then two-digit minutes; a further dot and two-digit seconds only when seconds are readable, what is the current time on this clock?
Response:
2.07
